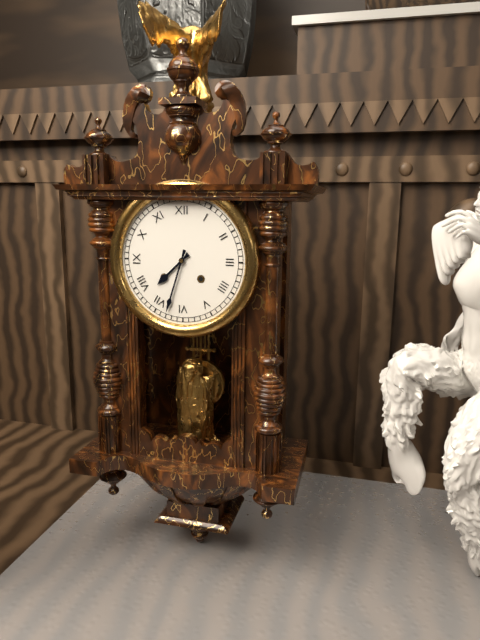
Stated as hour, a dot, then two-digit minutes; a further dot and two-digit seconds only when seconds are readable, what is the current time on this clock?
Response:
7.33
